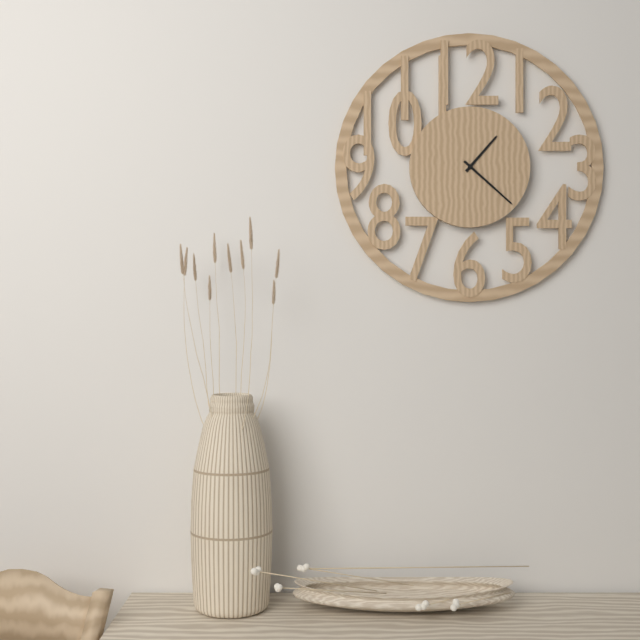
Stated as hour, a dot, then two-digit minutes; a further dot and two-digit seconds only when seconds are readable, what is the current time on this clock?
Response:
1.22
